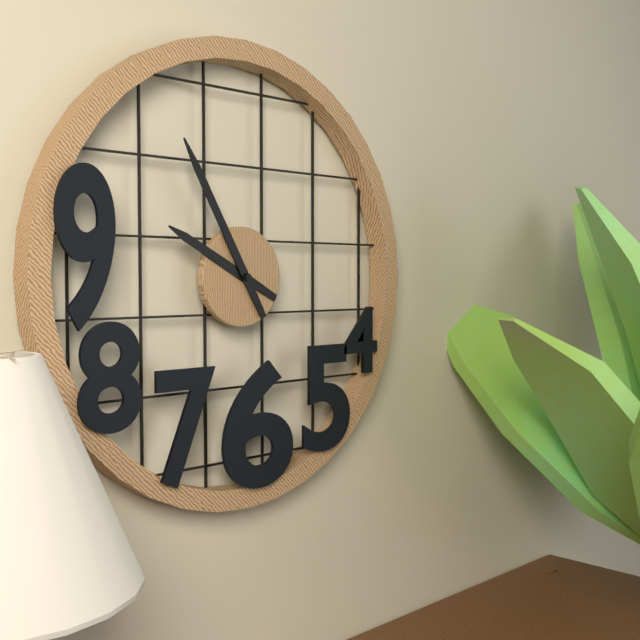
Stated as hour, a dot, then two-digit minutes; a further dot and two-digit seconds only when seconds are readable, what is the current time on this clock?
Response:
9.55
